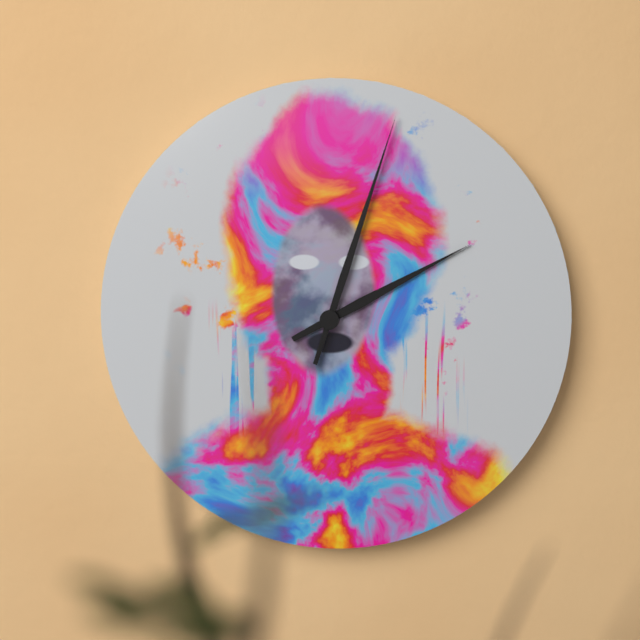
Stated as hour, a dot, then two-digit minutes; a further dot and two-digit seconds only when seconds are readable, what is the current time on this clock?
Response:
2.03
